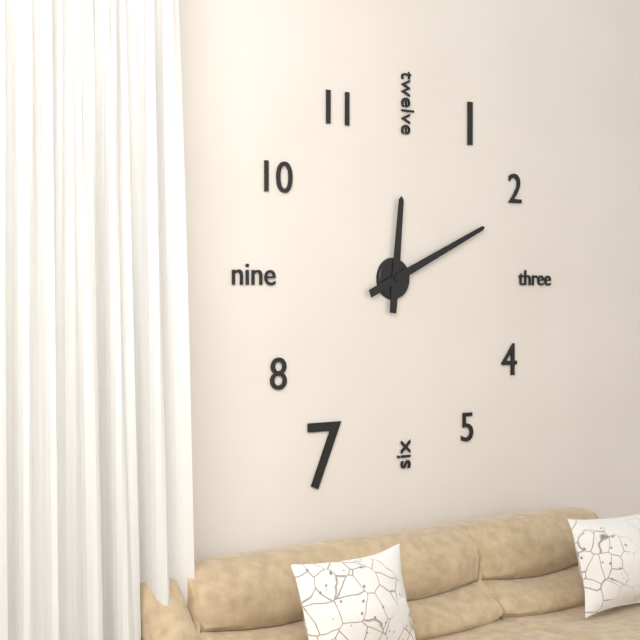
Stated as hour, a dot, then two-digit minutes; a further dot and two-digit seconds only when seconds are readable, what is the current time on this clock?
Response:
12.11
